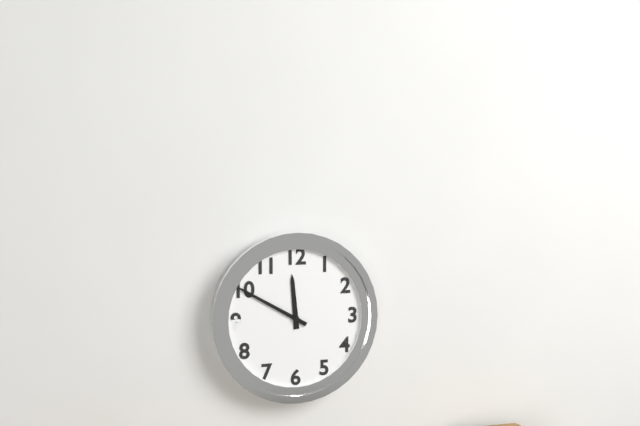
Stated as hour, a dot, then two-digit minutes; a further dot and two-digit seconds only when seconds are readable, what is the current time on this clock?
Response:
11.50
